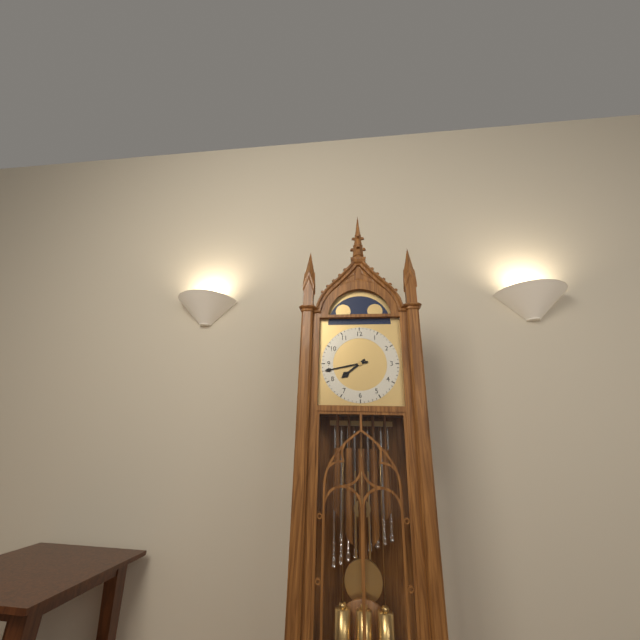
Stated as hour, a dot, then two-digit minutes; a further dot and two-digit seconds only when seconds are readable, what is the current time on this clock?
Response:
7.43
